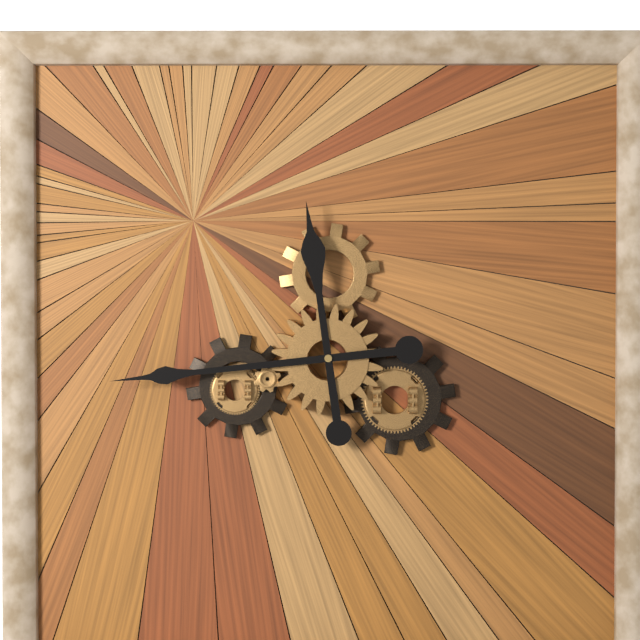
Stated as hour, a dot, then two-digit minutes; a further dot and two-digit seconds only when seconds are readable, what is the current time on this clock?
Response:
11.44
